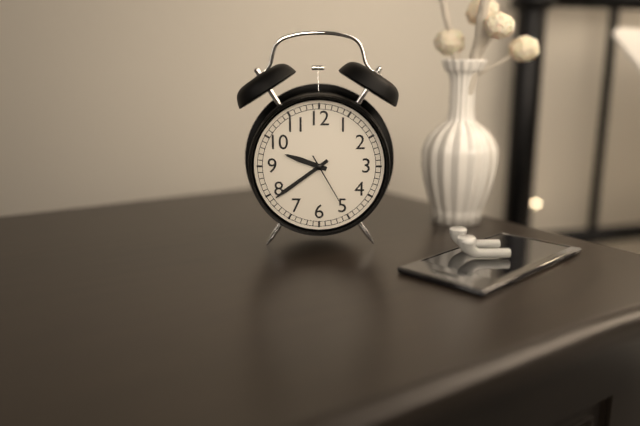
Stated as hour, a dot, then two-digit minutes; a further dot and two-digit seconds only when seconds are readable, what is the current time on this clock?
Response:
9.39.25
